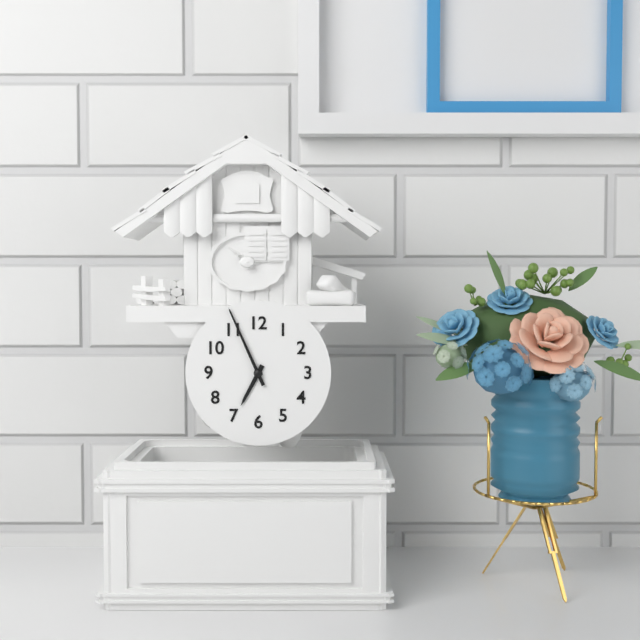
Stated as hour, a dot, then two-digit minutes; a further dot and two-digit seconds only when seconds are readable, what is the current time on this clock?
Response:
6.56
